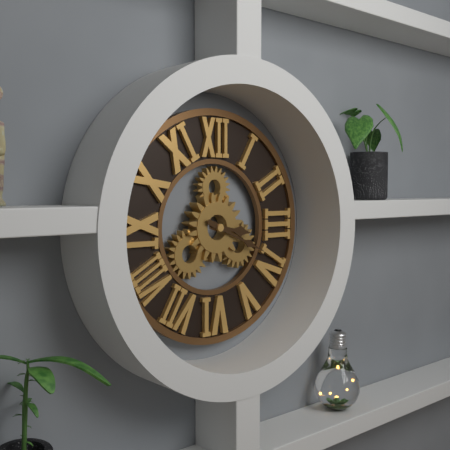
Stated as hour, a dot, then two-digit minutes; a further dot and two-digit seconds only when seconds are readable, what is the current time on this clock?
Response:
3.19
